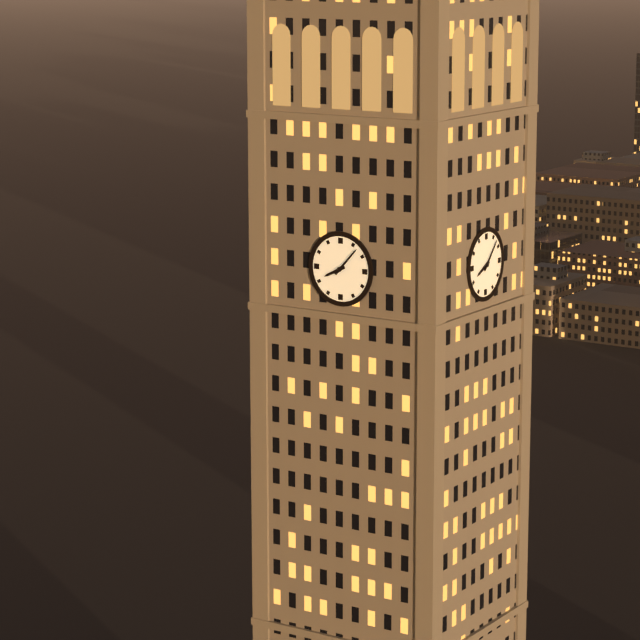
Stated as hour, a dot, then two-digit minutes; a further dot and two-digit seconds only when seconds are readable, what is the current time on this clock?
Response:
8.07
